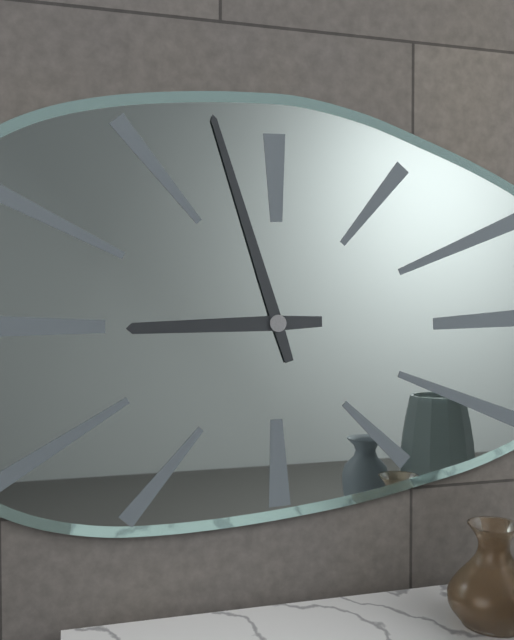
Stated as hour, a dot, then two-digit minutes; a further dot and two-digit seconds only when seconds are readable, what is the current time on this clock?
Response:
8.57
